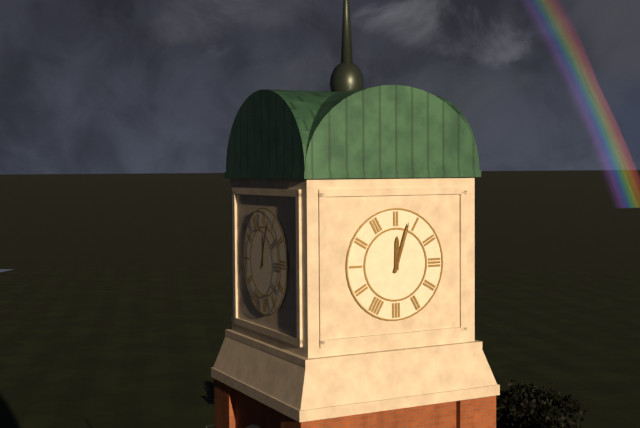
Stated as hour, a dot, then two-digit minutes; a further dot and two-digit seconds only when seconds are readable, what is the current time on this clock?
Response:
12.03
